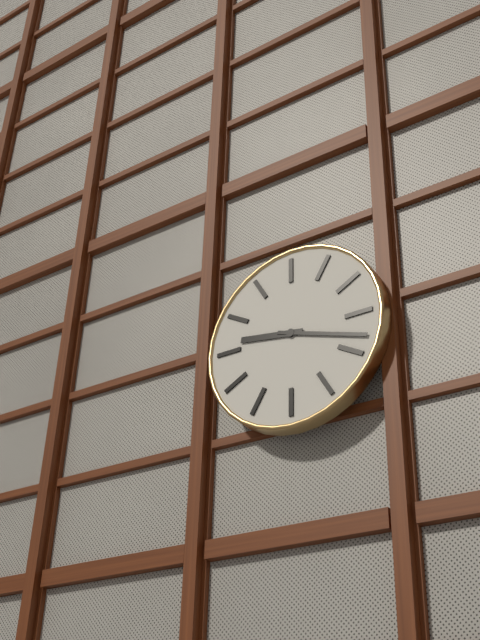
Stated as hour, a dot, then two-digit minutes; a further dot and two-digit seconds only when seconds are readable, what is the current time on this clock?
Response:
9.18
